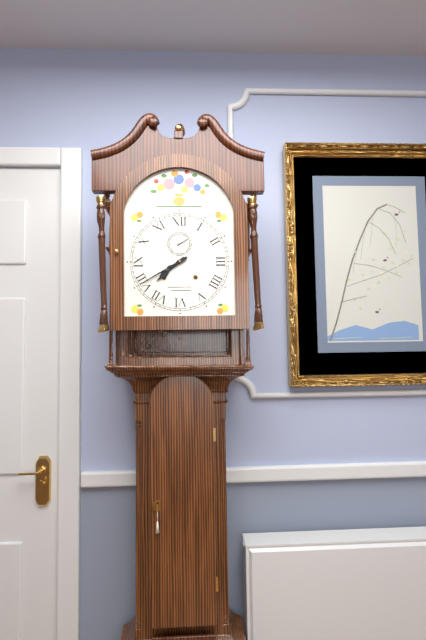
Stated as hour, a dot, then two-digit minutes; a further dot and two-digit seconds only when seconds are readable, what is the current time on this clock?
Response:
7.40
